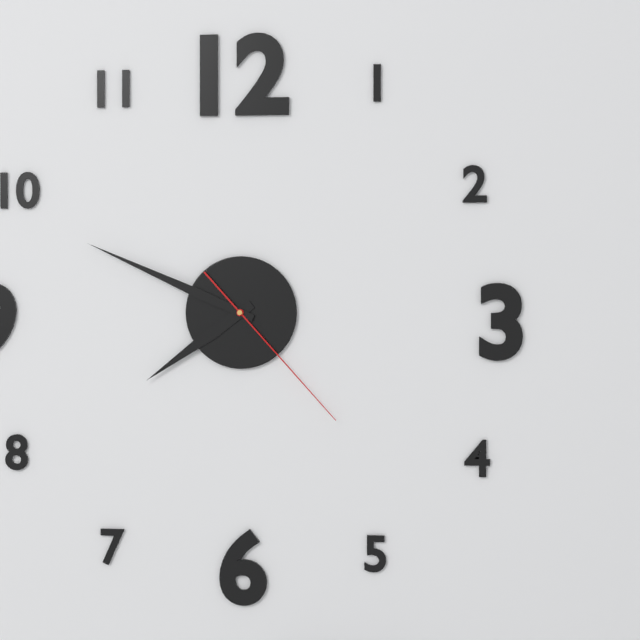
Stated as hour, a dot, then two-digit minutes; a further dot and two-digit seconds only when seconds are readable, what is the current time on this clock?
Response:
7.49.23
